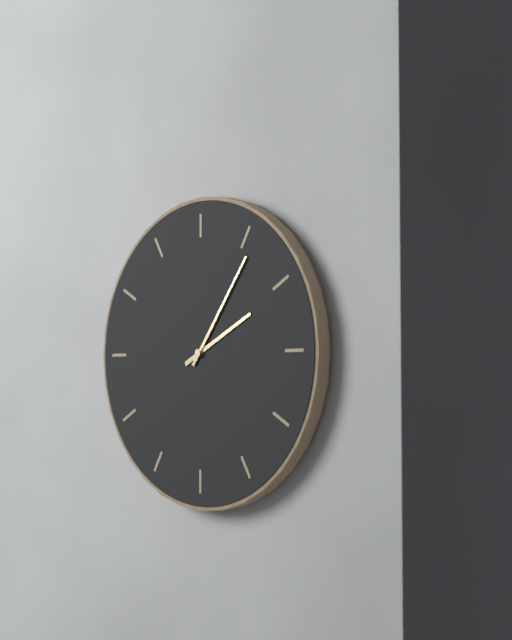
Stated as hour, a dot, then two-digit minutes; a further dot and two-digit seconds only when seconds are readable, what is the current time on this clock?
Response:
2.06
